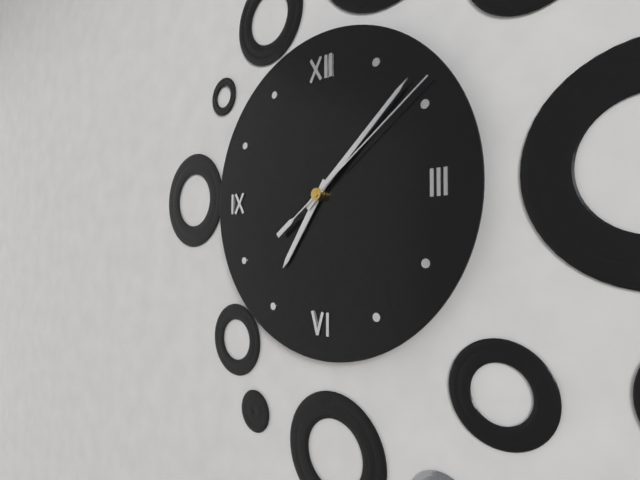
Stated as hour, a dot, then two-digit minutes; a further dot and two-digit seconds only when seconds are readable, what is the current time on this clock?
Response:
7.08.09
